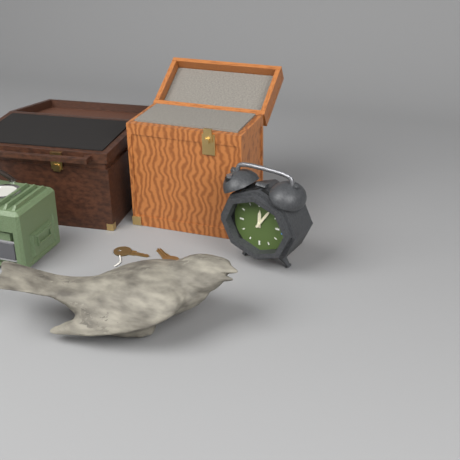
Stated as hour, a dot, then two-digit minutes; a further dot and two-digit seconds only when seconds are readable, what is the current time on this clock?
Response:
12.06
